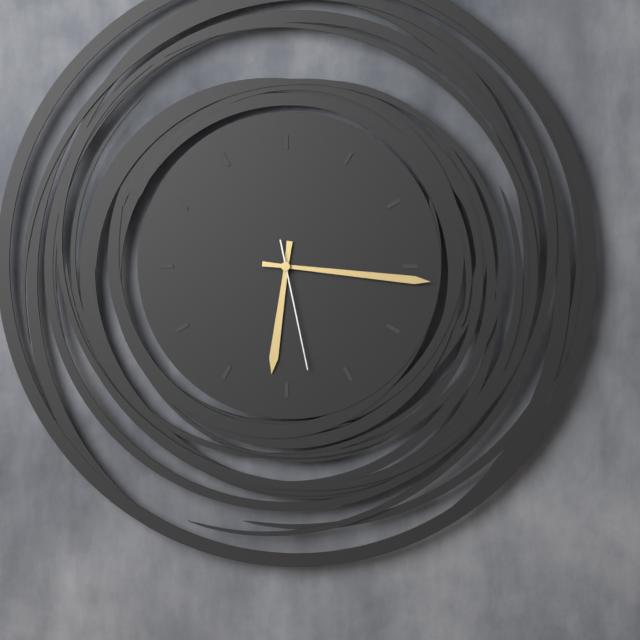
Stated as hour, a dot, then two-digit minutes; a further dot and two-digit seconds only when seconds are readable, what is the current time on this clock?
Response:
6.16.28
